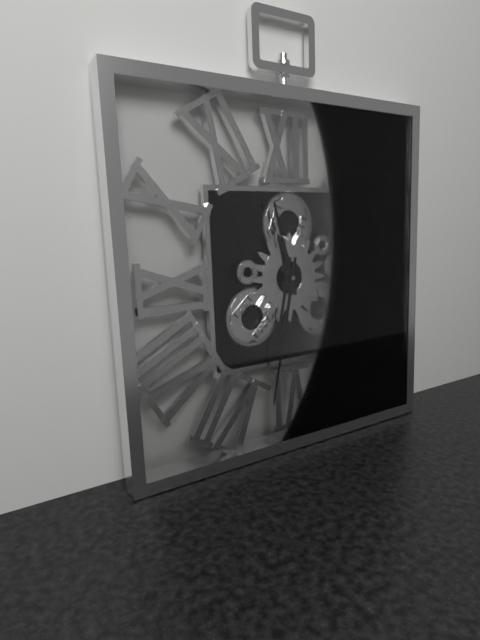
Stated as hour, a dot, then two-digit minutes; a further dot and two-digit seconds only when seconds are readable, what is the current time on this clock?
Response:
11.32
